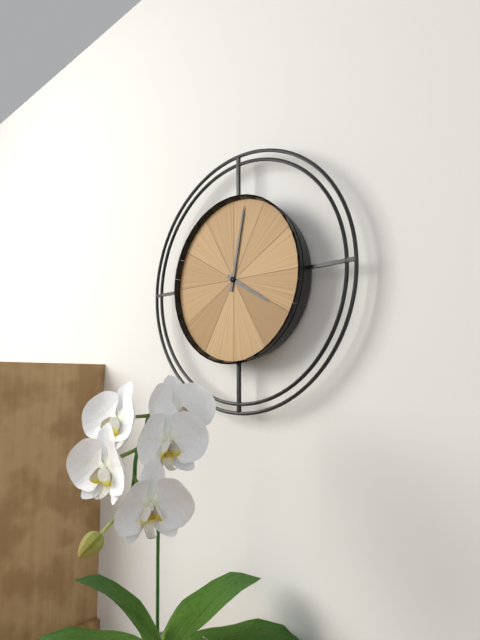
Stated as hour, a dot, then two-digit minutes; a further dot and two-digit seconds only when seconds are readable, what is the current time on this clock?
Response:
4.02
